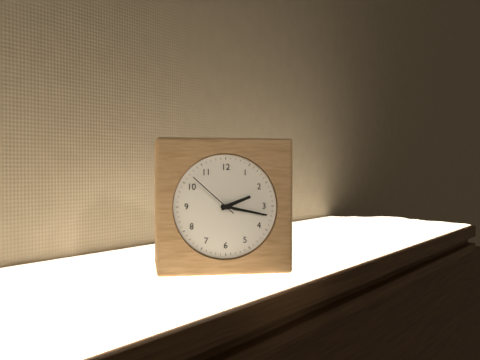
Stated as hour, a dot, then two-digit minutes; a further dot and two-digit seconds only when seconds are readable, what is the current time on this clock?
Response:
2.17.52
